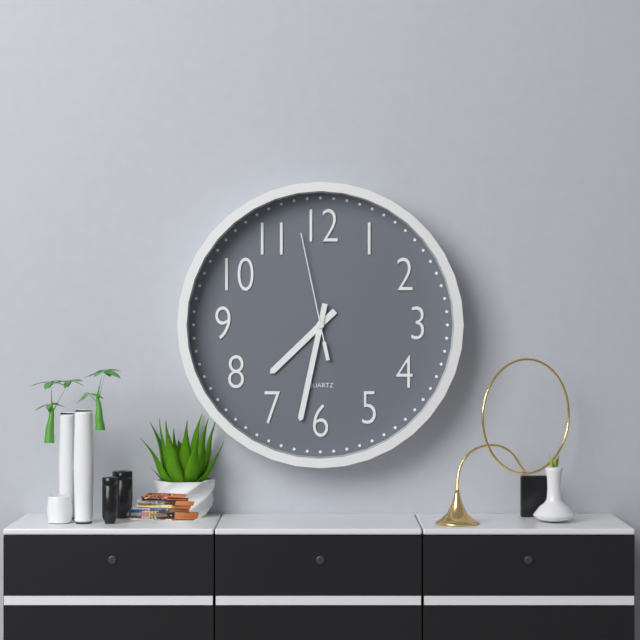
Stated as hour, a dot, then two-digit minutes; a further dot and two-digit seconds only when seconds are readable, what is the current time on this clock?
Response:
7.32.58
